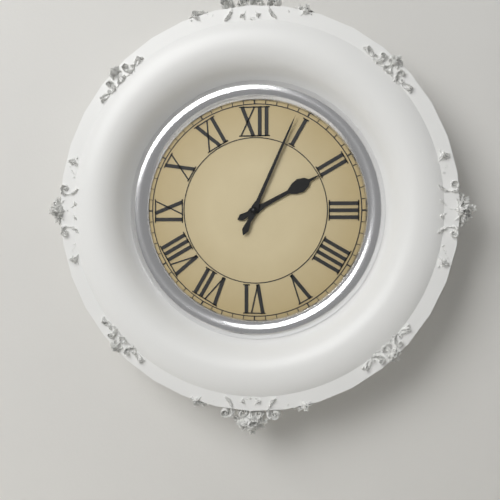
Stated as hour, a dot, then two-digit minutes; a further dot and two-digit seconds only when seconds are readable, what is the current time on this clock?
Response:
2.04
